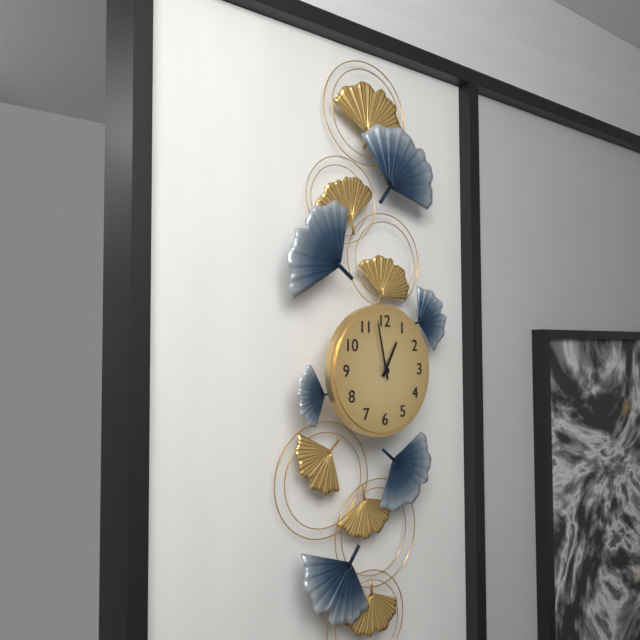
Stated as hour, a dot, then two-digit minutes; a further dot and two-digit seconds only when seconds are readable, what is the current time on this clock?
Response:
12.58
